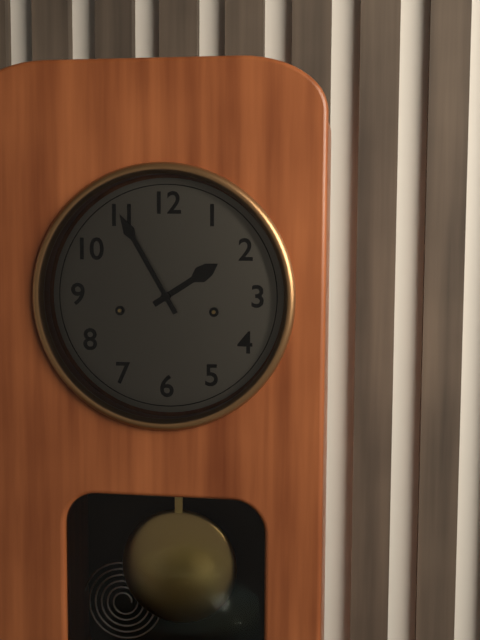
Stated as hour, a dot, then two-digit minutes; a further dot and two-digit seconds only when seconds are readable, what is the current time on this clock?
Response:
1.55
